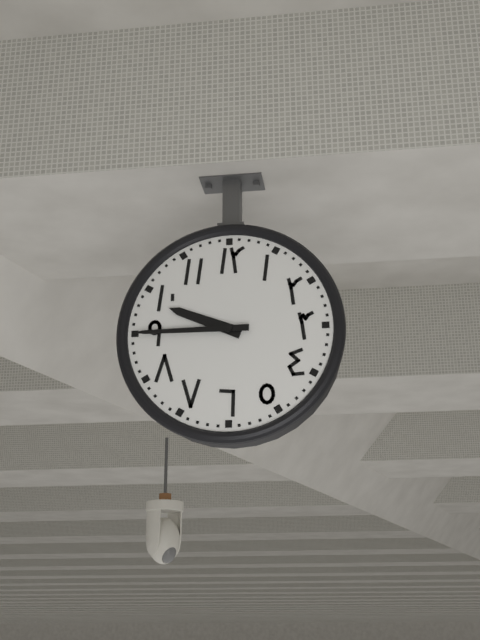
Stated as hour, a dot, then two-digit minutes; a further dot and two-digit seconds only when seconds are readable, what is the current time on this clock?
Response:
9.45
